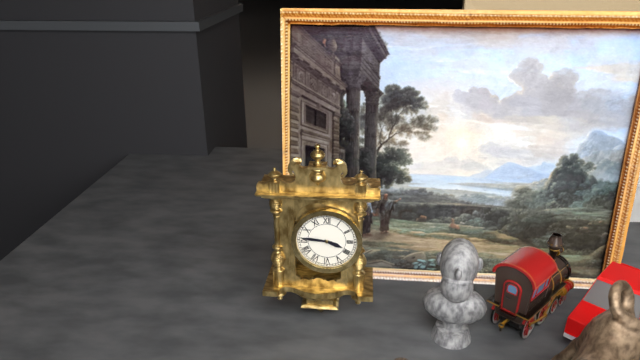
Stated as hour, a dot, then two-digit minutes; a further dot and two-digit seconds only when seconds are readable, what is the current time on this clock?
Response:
3.46
